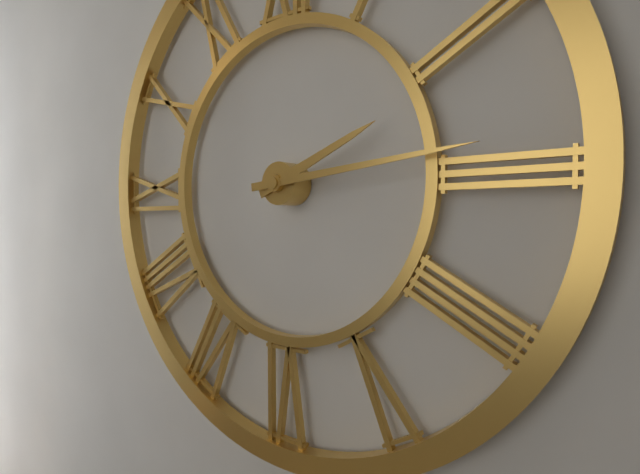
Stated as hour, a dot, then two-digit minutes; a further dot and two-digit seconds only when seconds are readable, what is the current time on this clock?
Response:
2.14
